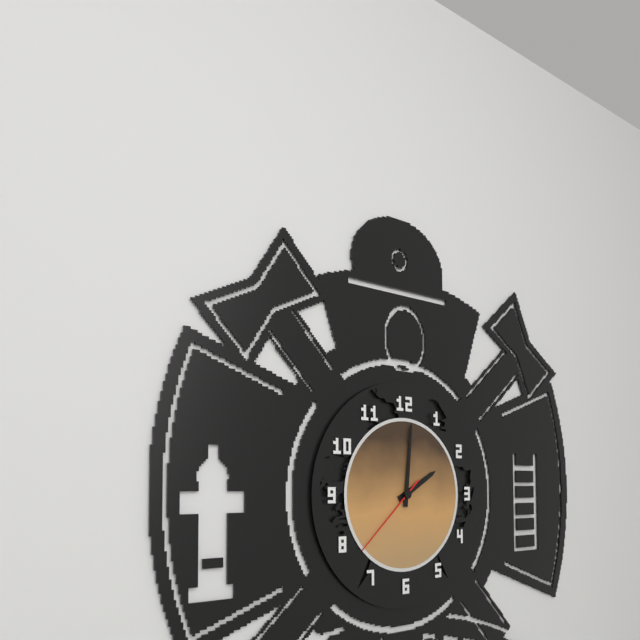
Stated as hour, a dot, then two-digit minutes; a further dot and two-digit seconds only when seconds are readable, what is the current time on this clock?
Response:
2.01.38
